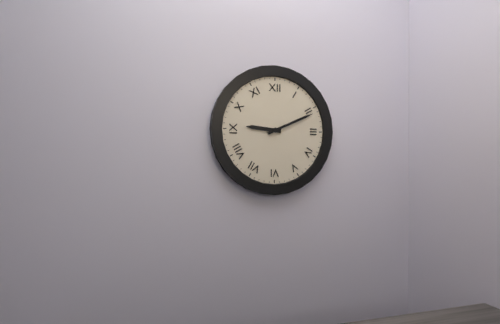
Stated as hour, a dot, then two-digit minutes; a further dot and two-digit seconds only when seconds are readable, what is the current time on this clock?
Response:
9.11
